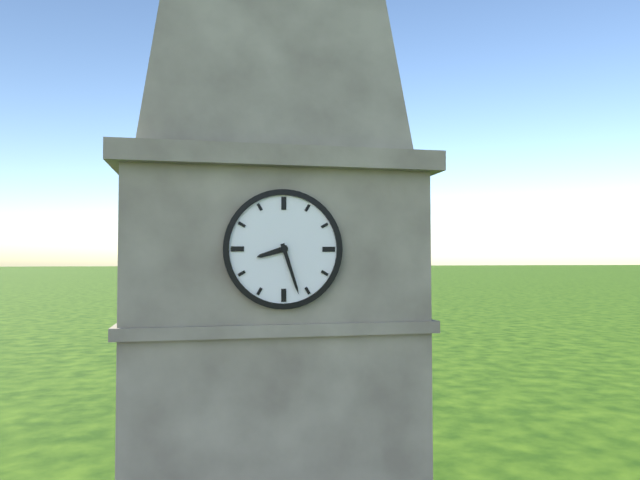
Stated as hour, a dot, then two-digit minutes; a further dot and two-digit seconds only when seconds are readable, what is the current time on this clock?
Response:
8.27
